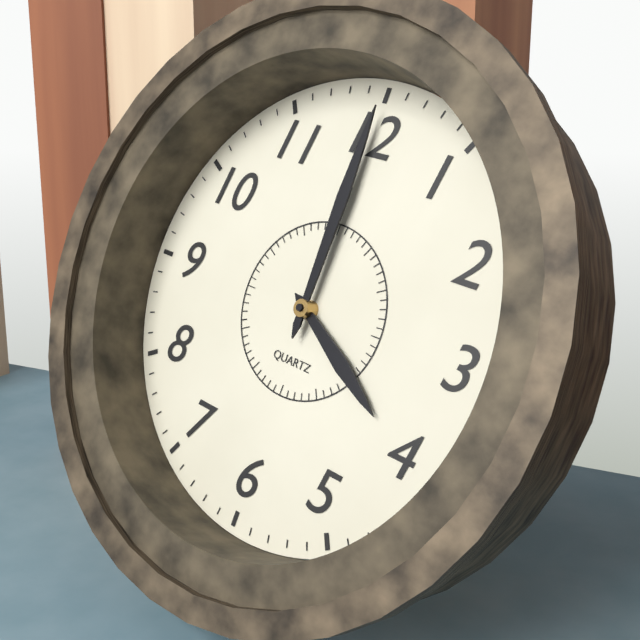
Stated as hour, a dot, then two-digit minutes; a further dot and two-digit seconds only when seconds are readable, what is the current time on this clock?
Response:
4.00
